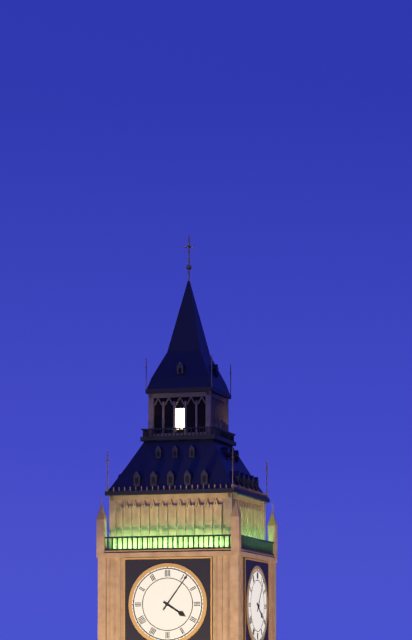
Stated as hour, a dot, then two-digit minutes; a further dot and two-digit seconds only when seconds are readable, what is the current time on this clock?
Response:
4.06
